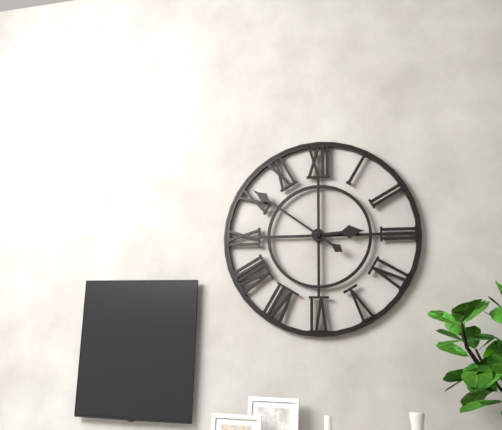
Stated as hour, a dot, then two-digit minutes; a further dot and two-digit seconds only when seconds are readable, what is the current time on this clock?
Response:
2.51
